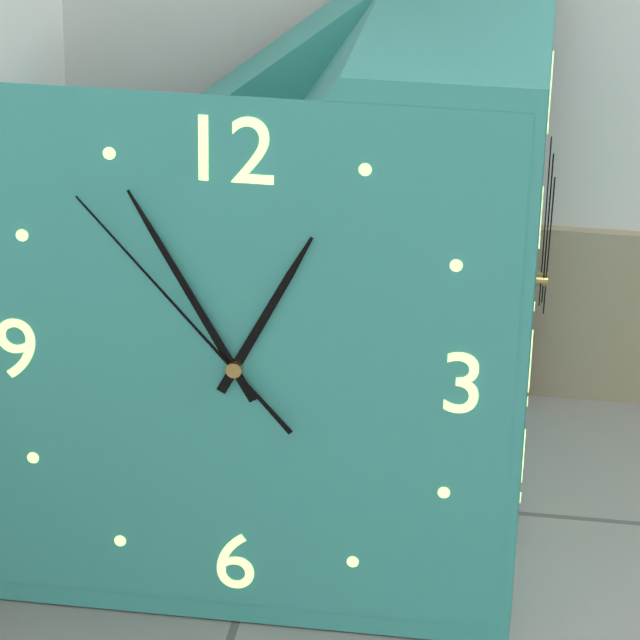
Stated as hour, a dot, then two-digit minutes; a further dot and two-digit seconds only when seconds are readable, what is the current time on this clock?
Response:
12.55.53
